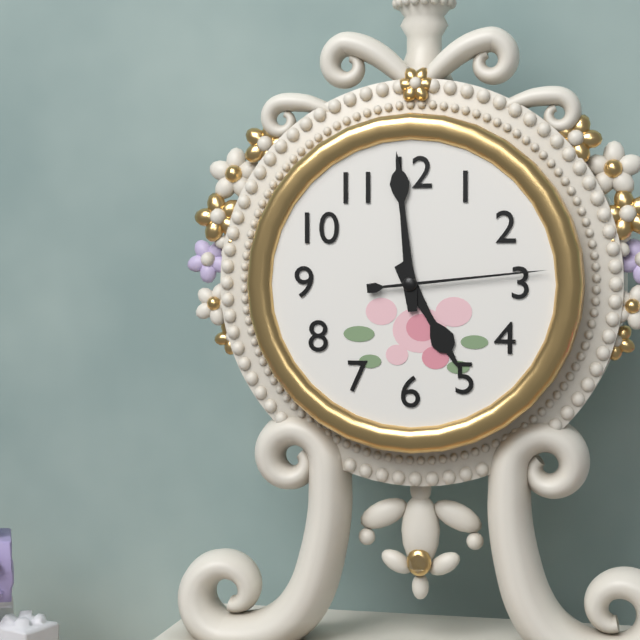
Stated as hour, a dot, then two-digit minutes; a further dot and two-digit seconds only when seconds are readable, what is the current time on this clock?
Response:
4.59.14
